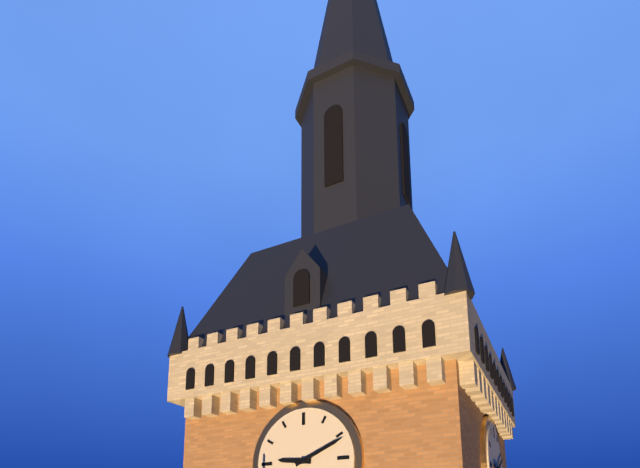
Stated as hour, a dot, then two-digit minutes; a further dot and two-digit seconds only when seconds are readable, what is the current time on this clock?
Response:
9.11
